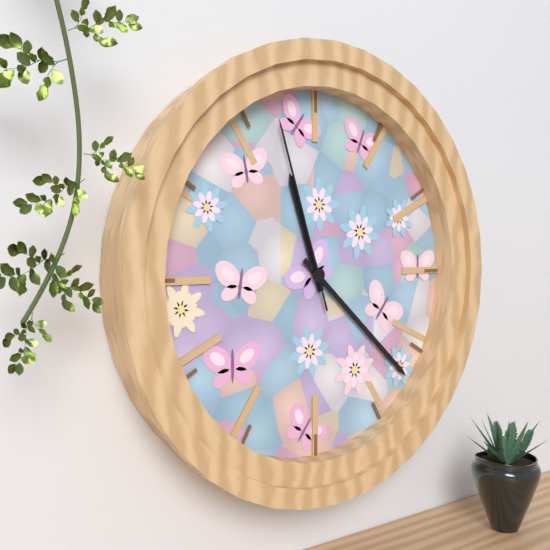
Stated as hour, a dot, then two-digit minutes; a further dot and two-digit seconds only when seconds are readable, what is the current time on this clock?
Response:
11.22.57
